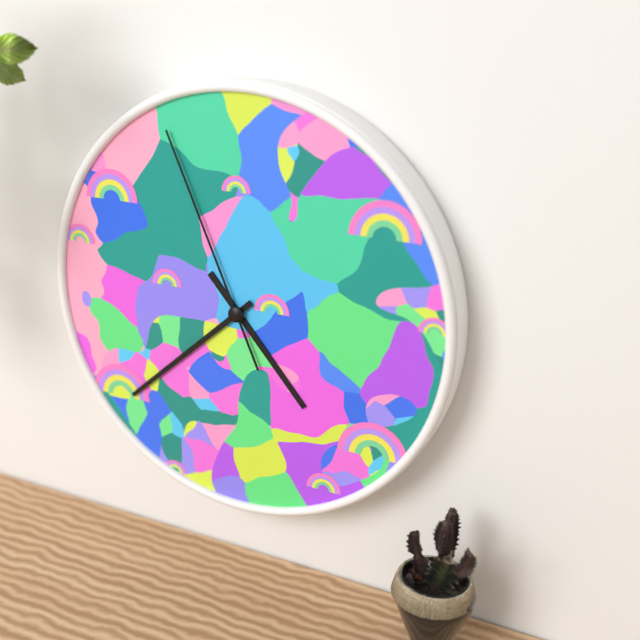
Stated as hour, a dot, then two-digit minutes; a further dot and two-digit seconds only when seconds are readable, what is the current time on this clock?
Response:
4.38.56
